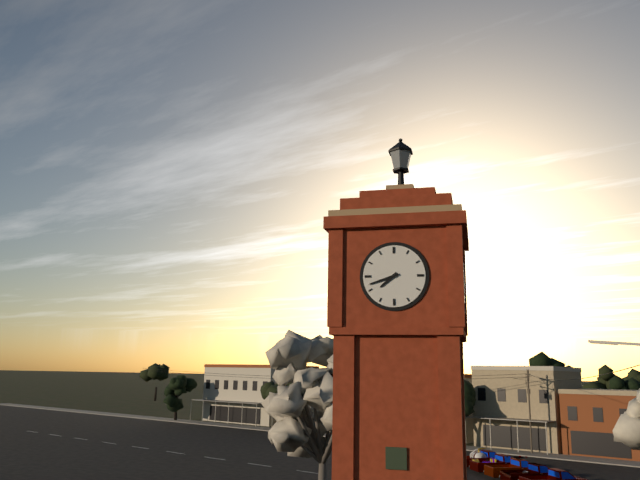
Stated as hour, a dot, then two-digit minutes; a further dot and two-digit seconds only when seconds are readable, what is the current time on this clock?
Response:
7.42
